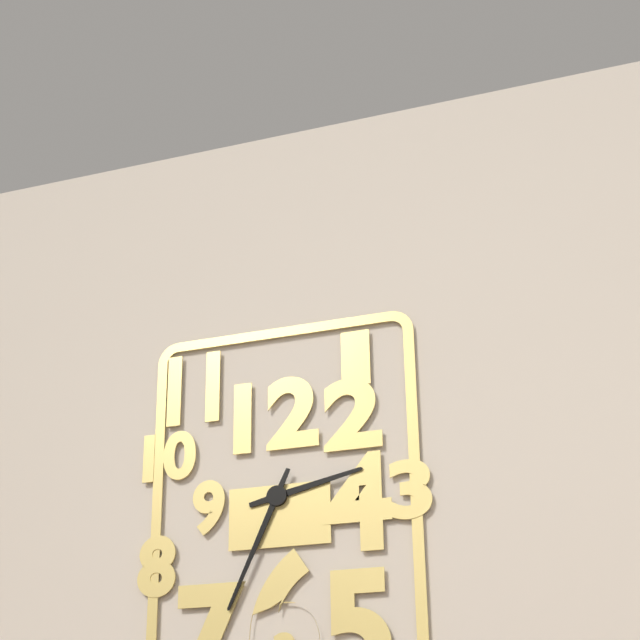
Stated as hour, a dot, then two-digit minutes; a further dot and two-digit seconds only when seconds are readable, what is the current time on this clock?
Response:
2.34
